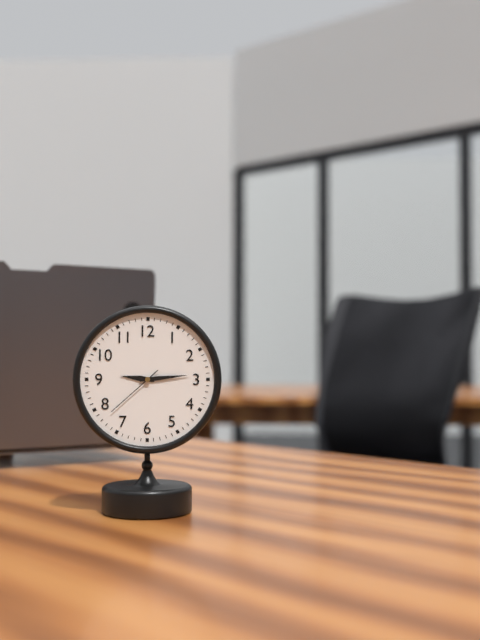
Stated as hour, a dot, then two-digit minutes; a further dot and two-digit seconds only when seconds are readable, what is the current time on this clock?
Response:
9.14.38
